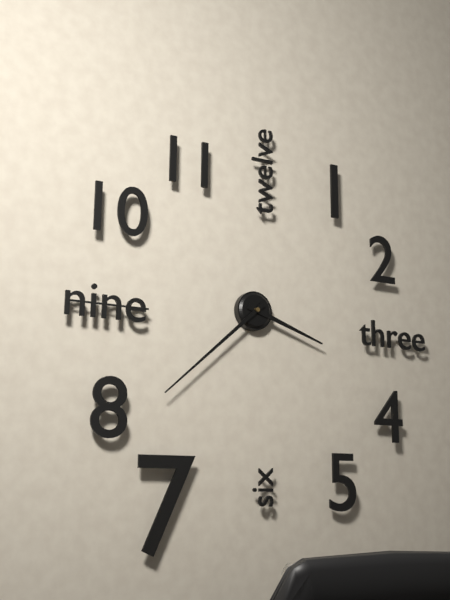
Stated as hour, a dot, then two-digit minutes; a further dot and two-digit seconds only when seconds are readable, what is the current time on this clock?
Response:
3.38
